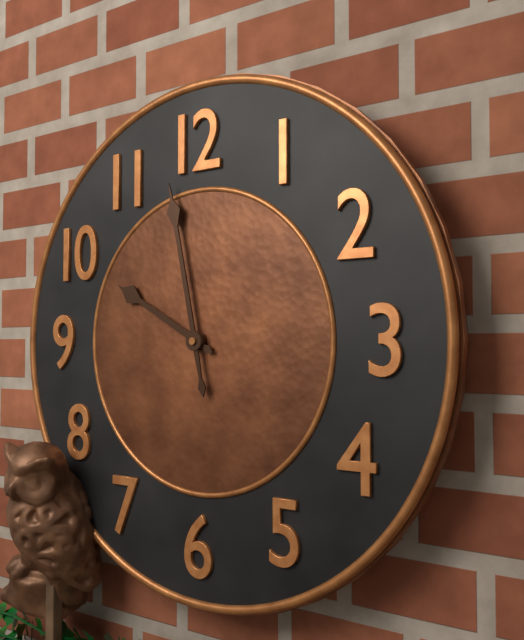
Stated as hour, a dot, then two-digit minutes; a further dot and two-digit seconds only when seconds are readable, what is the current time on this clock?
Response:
9.58
